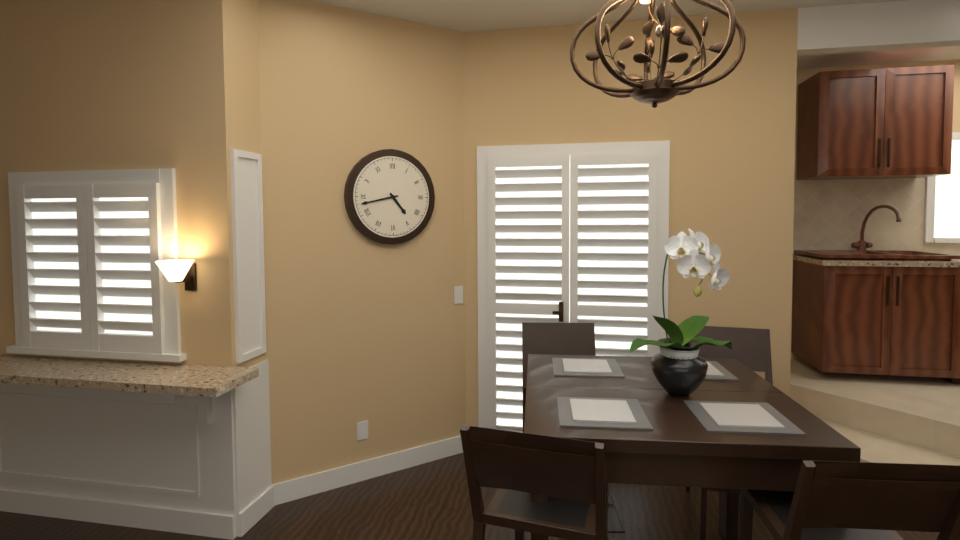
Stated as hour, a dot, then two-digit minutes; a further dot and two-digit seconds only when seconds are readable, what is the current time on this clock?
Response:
4.43
